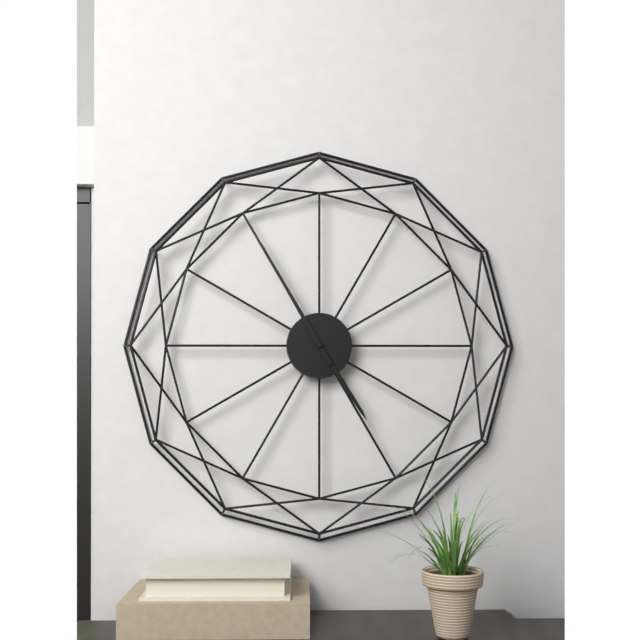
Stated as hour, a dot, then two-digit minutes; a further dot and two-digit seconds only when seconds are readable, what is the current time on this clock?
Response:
4.55
